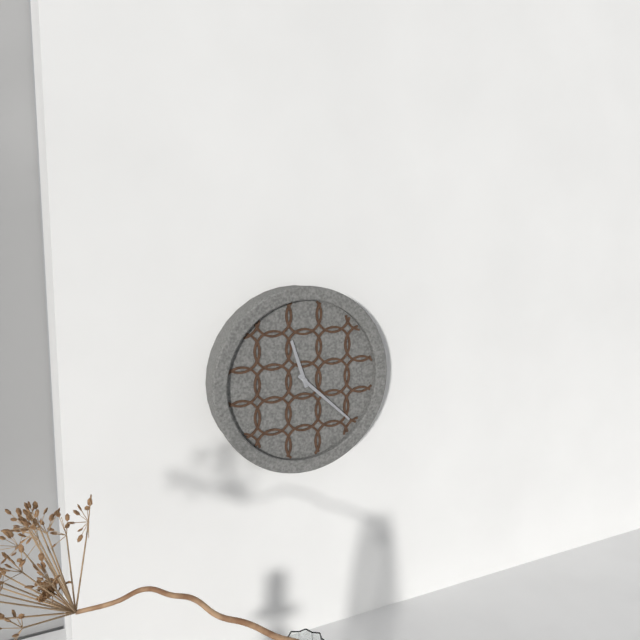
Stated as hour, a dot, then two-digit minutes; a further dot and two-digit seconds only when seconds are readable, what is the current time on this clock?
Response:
11.22
